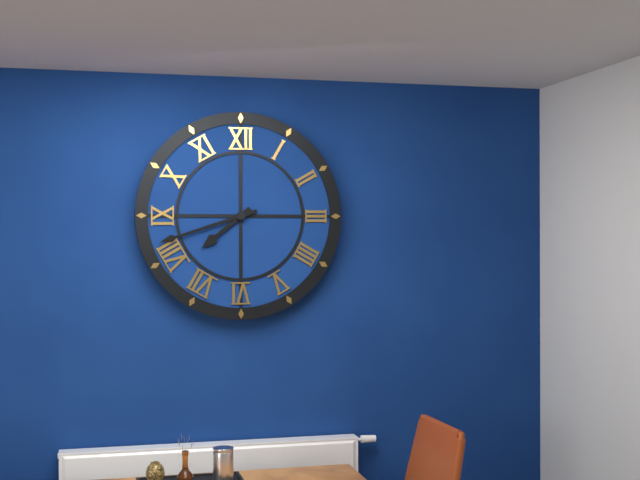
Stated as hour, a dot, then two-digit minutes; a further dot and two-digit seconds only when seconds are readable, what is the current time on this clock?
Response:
7.42
